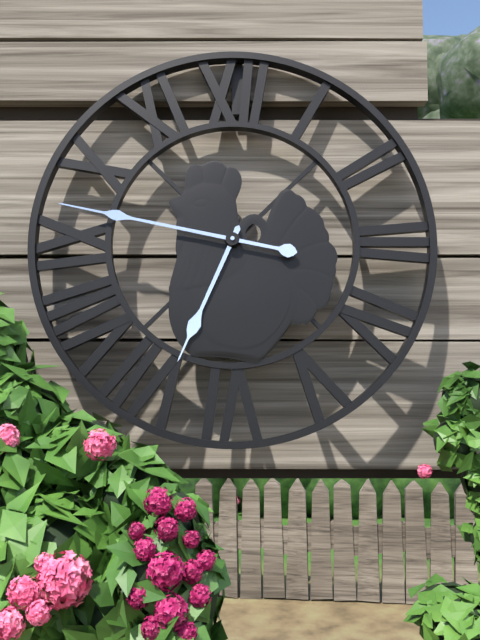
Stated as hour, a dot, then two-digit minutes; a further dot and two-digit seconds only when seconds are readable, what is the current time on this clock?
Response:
6.47
